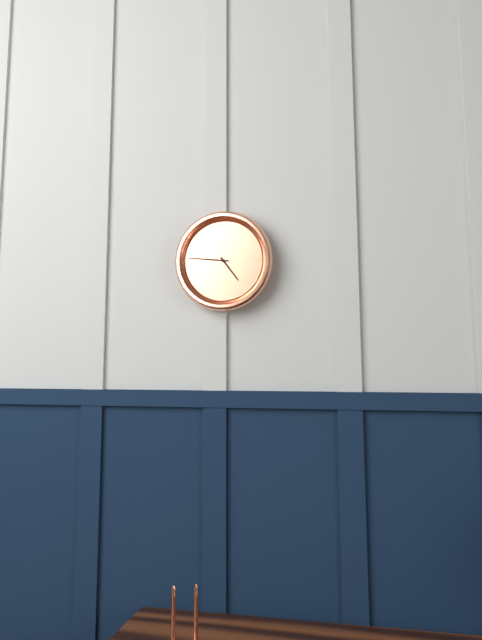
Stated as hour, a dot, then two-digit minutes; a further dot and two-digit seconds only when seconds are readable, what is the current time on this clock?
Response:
4.46
